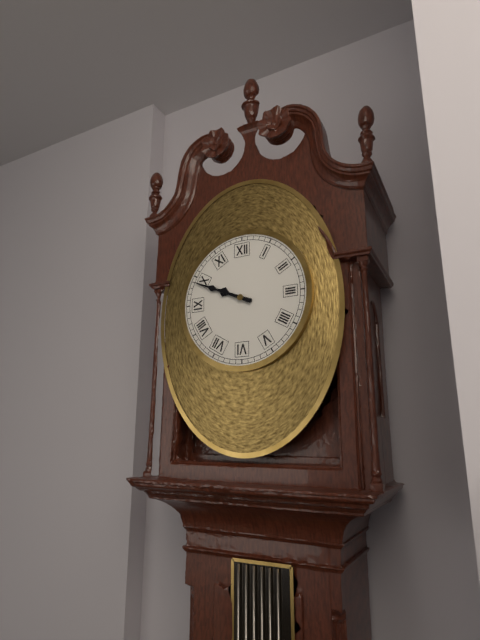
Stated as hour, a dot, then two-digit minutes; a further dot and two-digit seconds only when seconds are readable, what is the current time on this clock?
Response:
9.49
